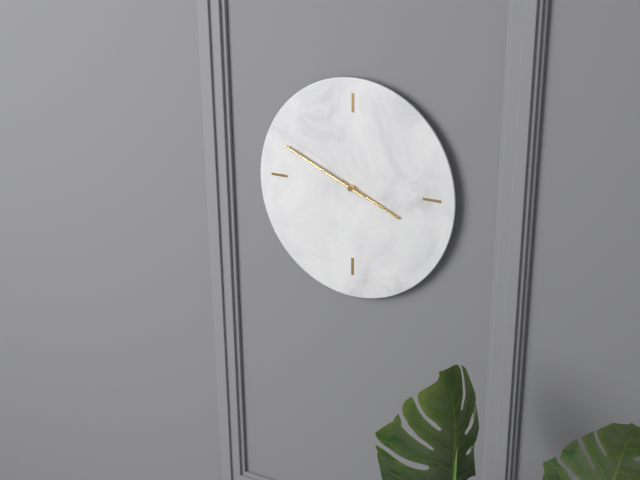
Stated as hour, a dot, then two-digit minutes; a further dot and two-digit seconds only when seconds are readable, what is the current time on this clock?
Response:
3.49
